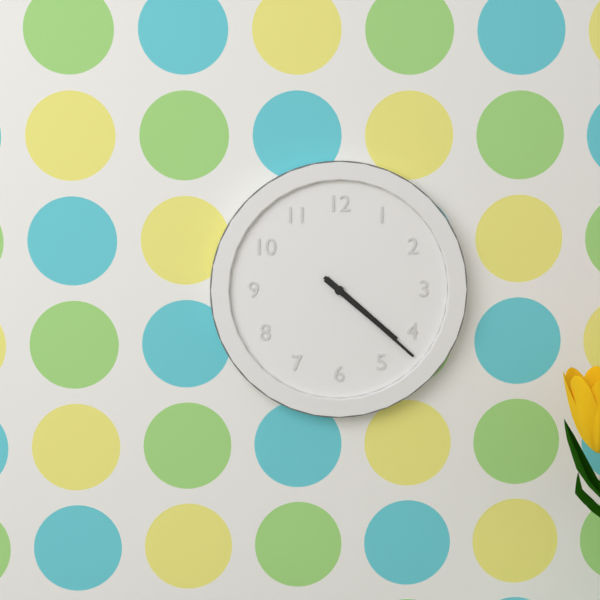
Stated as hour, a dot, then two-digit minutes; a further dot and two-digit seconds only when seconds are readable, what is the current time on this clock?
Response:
4.22
